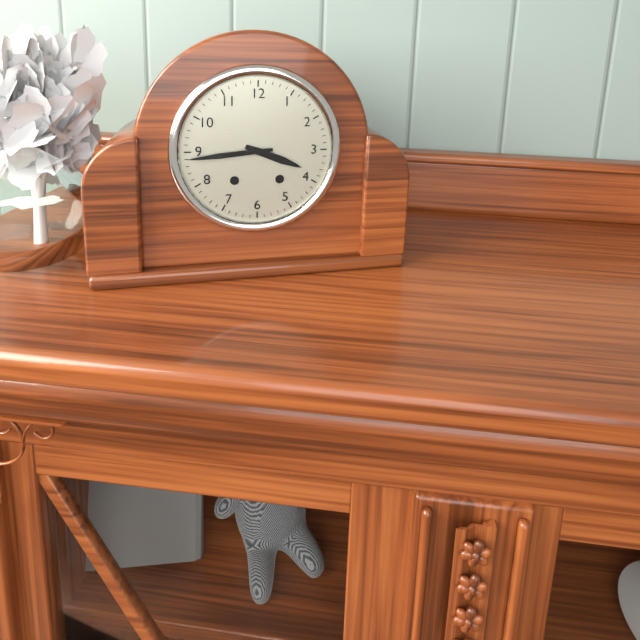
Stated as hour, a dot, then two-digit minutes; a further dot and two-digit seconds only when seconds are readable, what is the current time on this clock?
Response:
3.44
